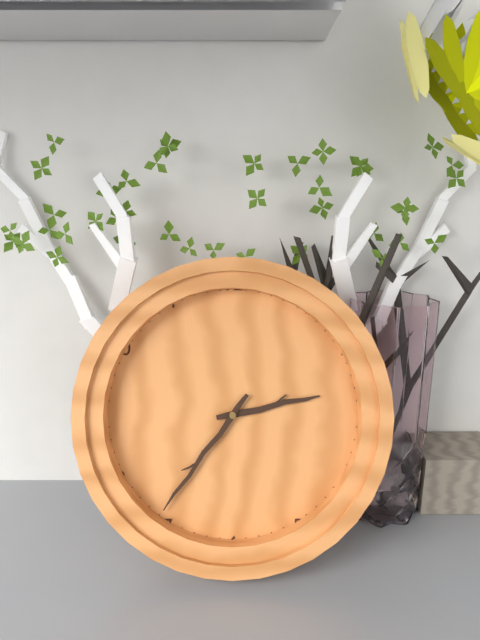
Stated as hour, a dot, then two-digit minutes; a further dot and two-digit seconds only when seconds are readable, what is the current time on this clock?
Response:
2.36
